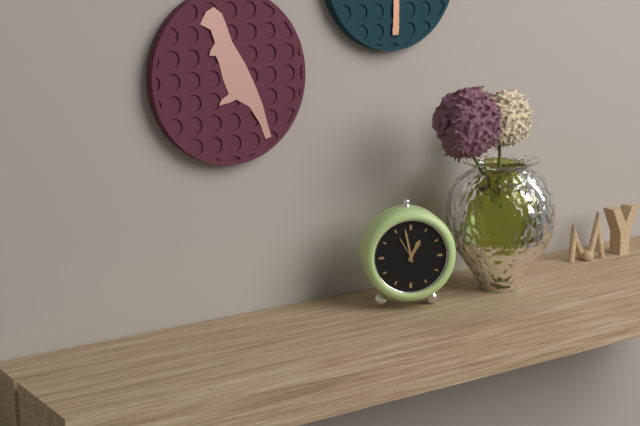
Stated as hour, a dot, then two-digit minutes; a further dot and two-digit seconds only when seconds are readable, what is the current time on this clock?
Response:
12.58
